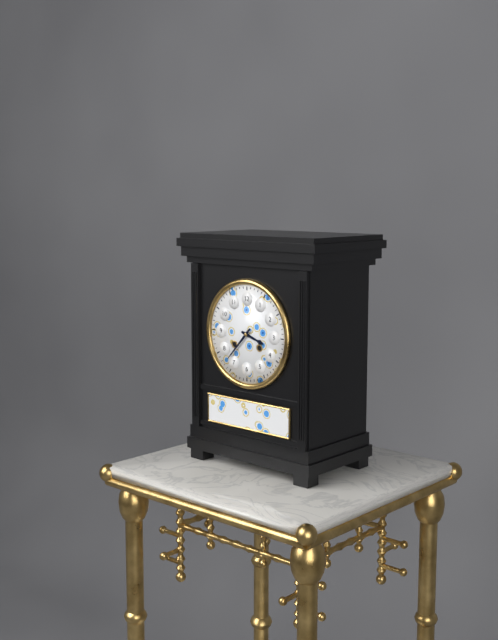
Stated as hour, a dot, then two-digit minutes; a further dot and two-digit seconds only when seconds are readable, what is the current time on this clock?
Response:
3.37
